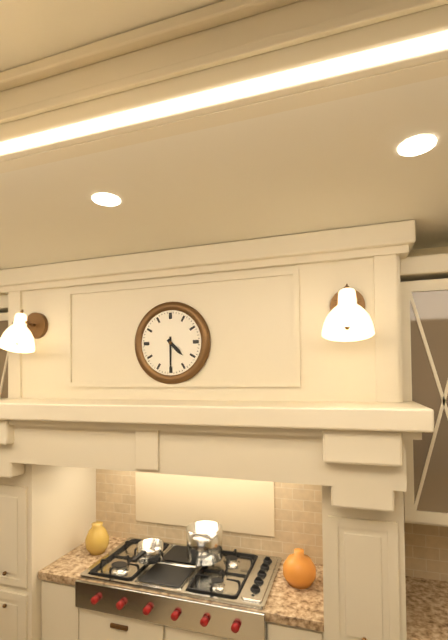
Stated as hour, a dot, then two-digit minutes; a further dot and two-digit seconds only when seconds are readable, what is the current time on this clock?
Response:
4.30
